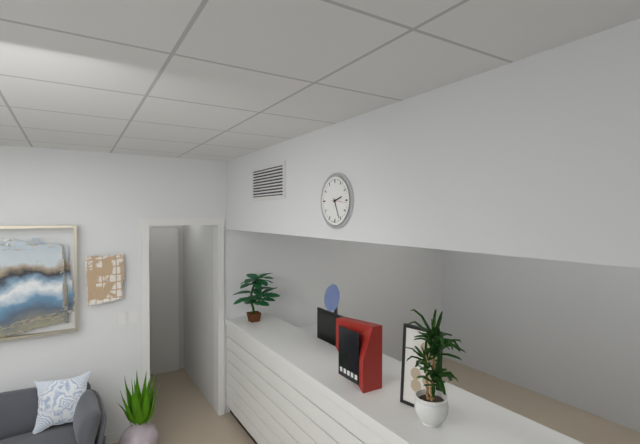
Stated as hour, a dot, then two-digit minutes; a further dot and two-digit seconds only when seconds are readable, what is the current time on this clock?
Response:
2.26
